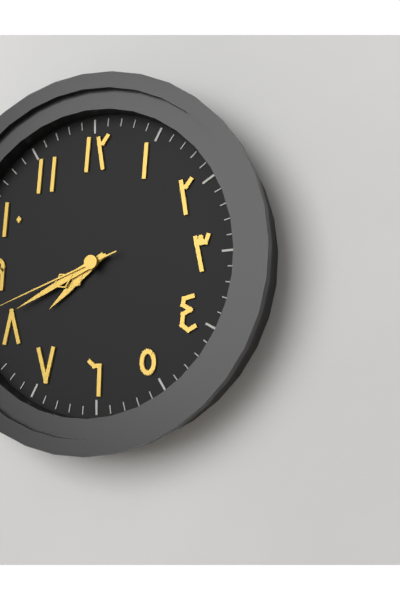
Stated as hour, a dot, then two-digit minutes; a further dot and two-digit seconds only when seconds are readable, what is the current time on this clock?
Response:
7.41
